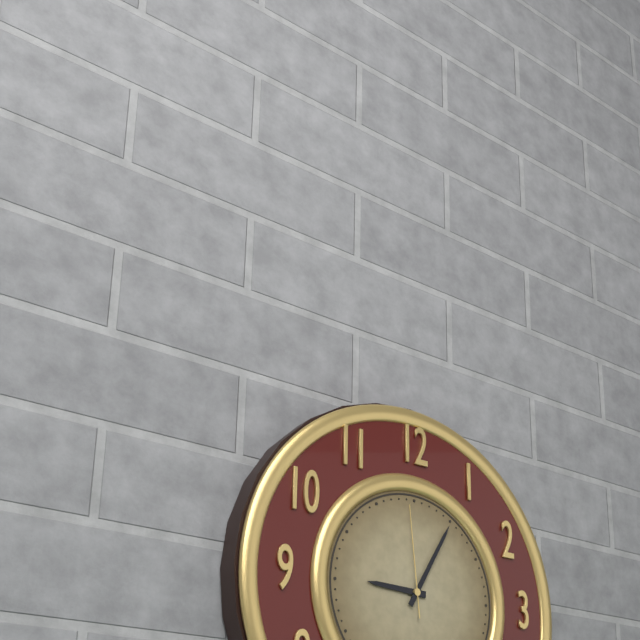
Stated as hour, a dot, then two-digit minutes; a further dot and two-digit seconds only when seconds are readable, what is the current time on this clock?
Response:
9.05.59
